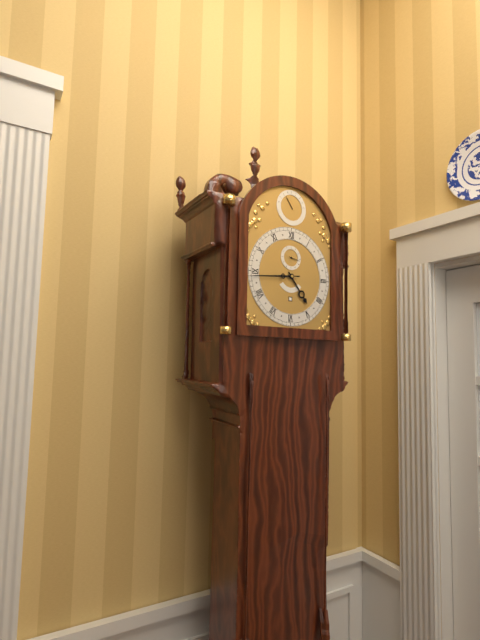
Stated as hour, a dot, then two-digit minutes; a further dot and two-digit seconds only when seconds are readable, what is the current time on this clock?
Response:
4.44
